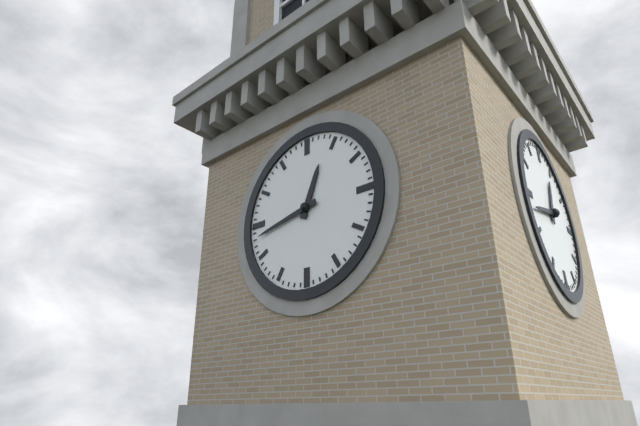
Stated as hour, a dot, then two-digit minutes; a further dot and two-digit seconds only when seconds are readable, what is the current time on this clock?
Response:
12.43
